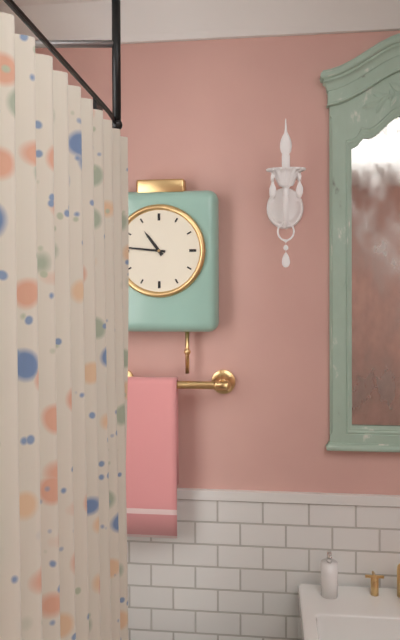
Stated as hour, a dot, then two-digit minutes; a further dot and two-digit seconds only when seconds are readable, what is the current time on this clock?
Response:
10.46
